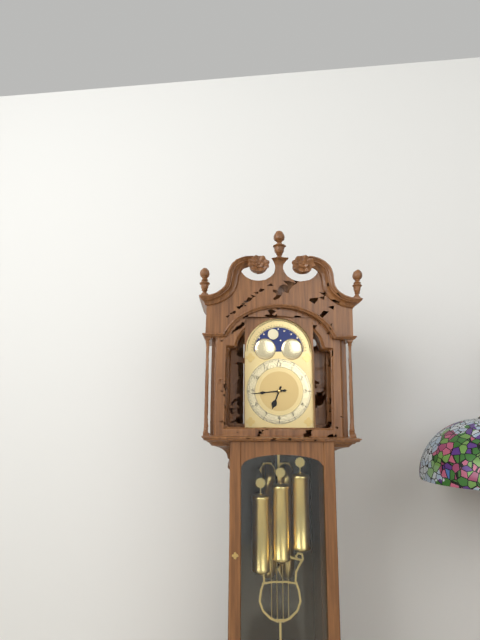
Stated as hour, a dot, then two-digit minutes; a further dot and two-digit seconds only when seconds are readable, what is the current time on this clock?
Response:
6.44
